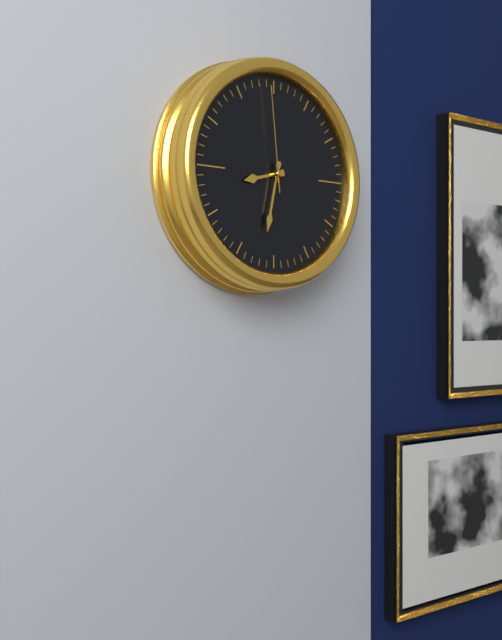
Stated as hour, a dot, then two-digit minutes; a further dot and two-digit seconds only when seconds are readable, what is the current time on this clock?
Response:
8.32.59
